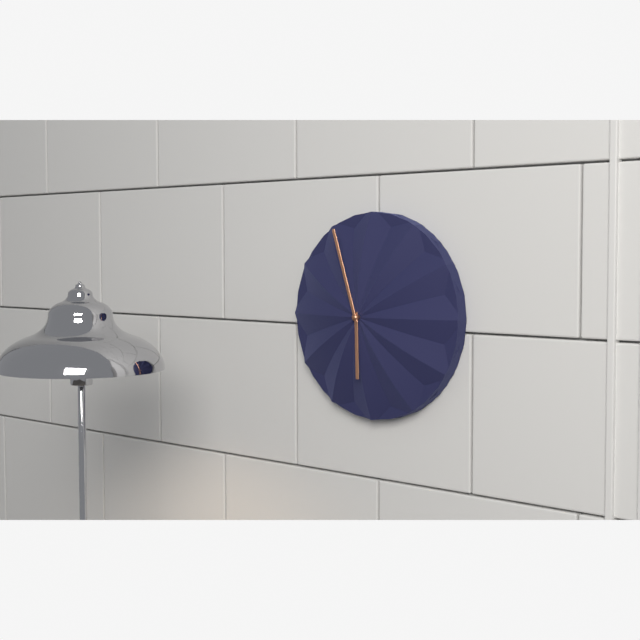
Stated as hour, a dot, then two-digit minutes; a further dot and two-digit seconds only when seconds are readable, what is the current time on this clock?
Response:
5.57
